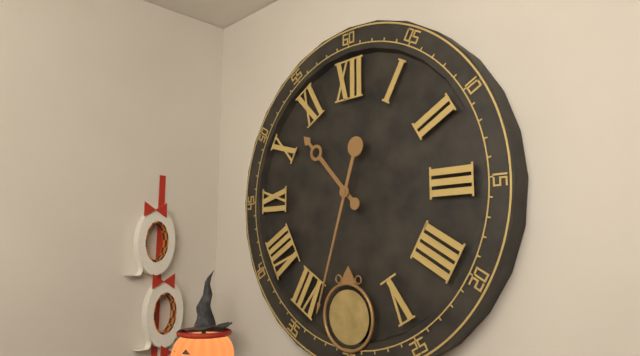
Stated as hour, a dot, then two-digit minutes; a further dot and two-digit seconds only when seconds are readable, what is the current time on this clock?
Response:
10.33
